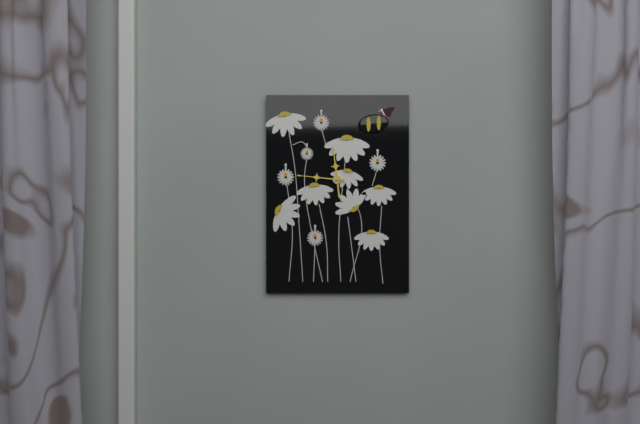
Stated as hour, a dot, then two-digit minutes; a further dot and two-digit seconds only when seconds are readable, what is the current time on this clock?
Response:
11.46
